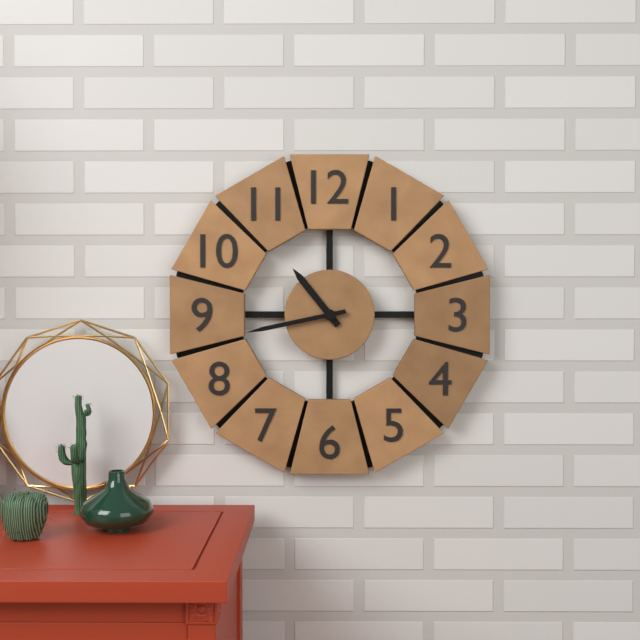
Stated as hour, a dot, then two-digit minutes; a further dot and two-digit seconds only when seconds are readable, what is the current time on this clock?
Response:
10.43
